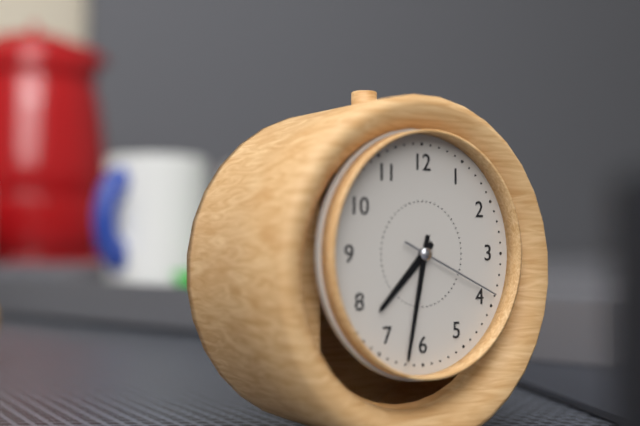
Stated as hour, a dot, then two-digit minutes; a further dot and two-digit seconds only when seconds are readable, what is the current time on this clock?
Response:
7.32.19
